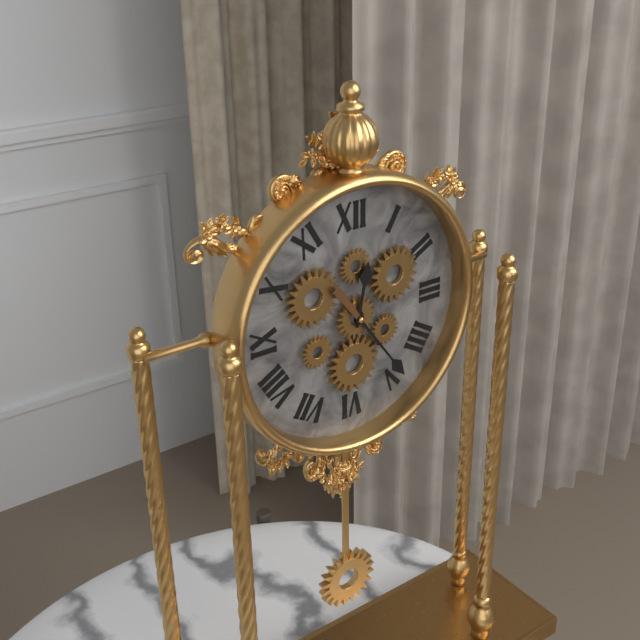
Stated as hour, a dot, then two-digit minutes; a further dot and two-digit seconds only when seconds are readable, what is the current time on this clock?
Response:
12.24
